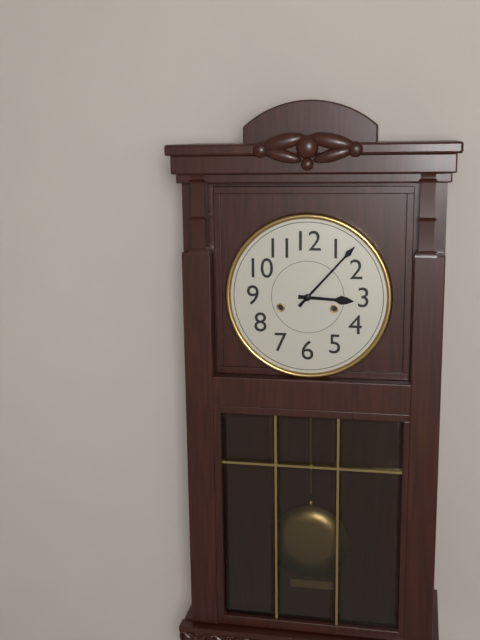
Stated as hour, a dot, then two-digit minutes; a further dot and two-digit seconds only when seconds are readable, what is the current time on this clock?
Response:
3.07
